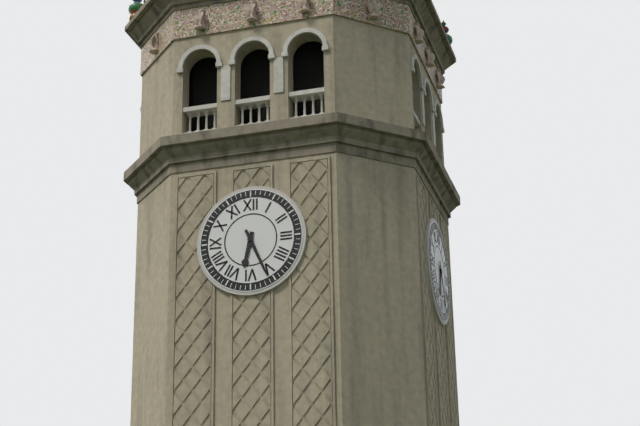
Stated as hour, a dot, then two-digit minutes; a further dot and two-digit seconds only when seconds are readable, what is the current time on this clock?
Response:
6.26
